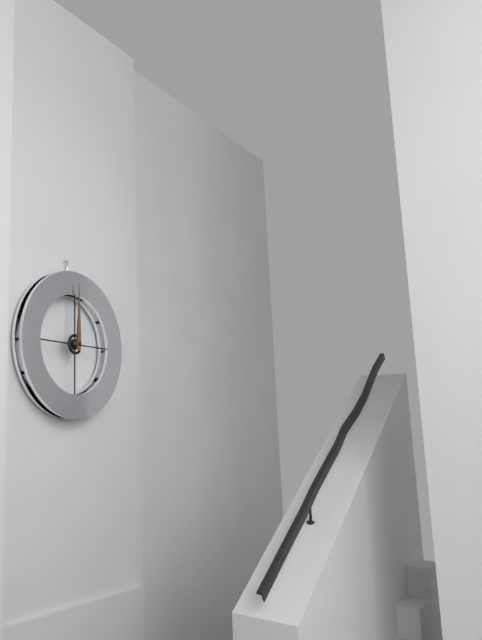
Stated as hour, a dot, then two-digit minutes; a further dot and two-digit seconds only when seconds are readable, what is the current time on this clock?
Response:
12.00
